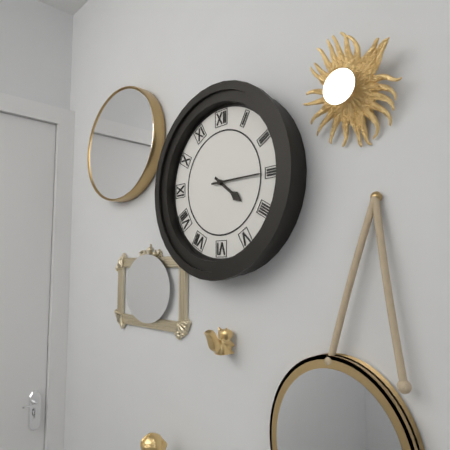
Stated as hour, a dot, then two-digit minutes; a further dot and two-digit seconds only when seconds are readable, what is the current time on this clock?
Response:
4.15
